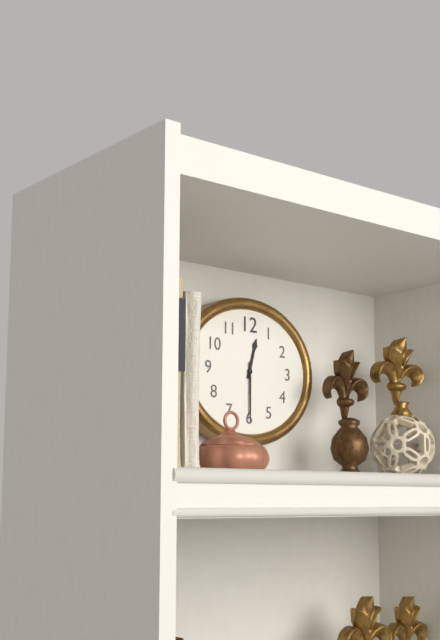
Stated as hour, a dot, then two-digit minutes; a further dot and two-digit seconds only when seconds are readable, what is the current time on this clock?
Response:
12.30
